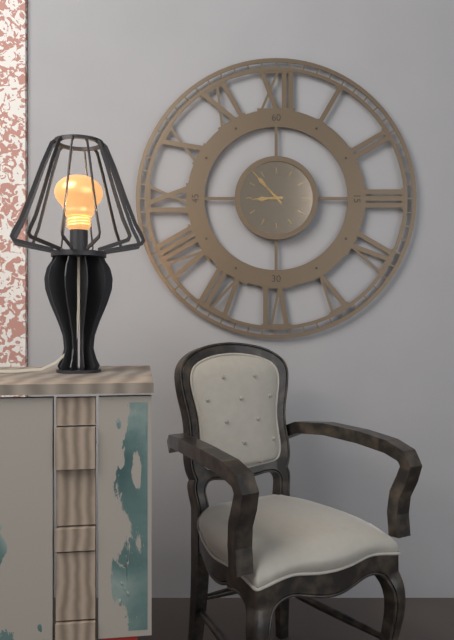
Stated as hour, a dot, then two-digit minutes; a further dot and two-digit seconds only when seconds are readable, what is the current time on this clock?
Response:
8.53
